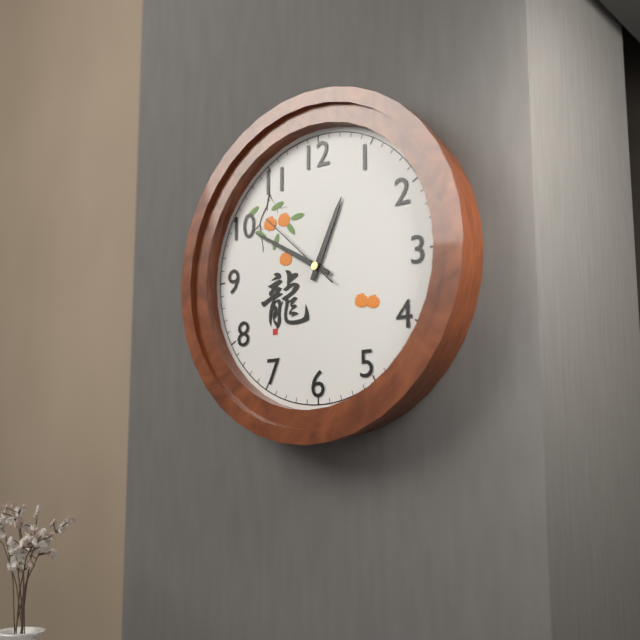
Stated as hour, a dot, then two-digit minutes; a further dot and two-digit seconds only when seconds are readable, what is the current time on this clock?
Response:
12.50.52
